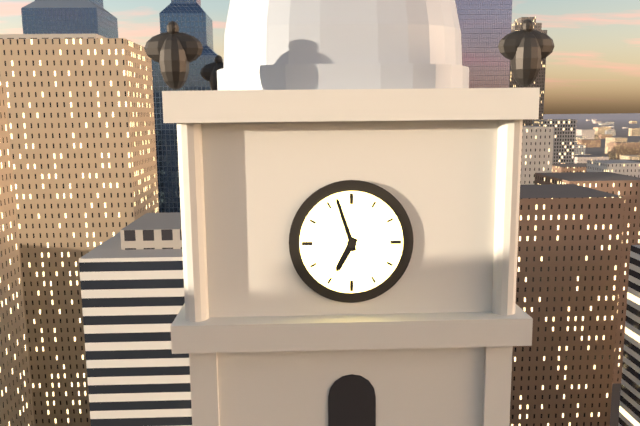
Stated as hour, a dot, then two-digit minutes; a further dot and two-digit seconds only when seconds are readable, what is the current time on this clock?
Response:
6.57
